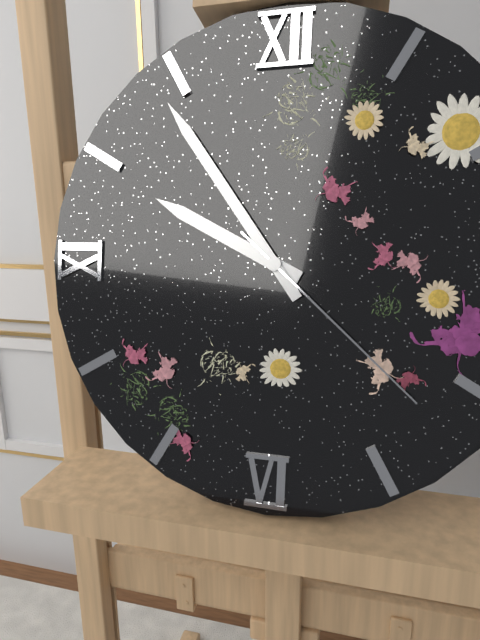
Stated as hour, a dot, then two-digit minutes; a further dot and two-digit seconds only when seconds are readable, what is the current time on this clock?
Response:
9.54.22
